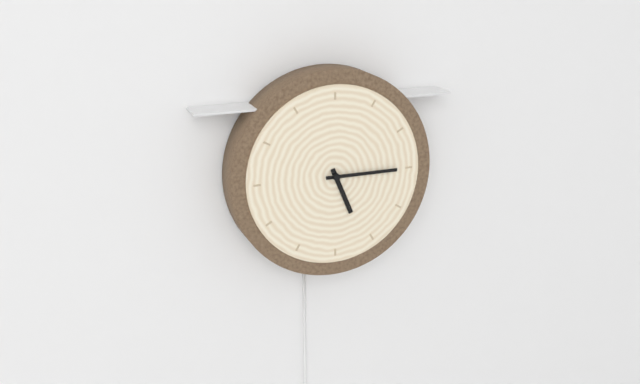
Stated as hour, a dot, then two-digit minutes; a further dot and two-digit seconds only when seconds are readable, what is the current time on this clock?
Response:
5.15
